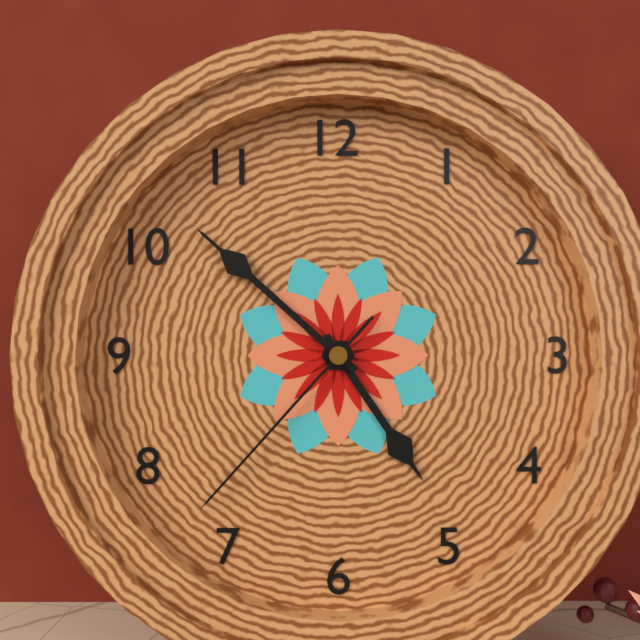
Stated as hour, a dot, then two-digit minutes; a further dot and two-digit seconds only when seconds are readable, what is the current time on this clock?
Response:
4.52.37
